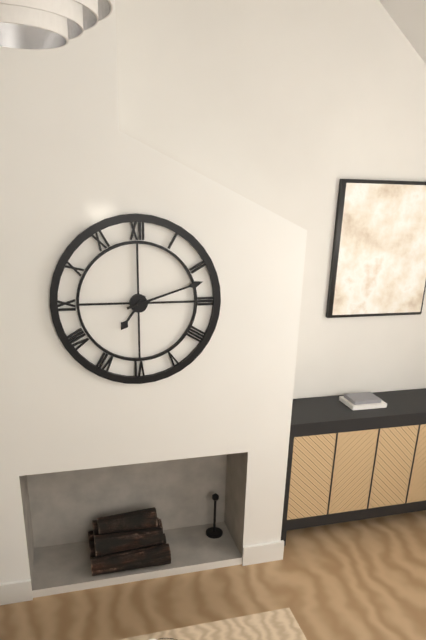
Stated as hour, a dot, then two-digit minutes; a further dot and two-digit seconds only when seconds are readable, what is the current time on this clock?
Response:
7.12
